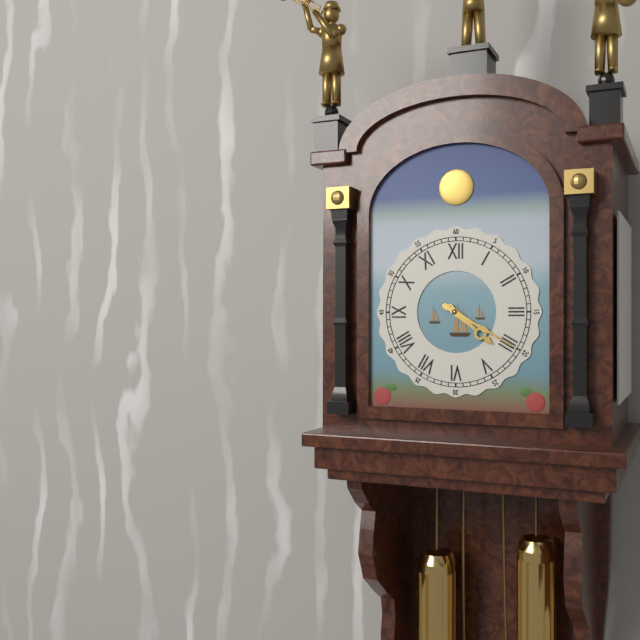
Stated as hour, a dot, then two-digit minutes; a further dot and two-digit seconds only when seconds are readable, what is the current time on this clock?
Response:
4.20
